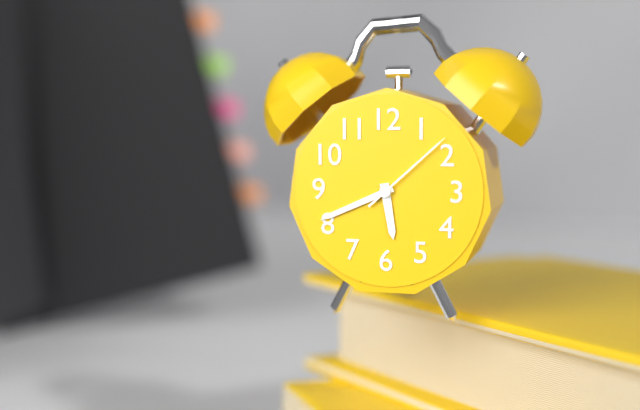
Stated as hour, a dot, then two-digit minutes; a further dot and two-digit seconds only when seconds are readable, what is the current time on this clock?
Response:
5.41.08
